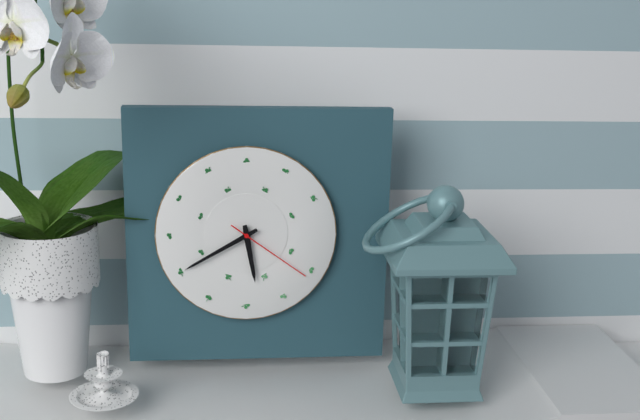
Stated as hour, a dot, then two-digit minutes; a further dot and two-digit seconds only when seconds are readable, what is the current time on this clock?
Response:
5.40.21
